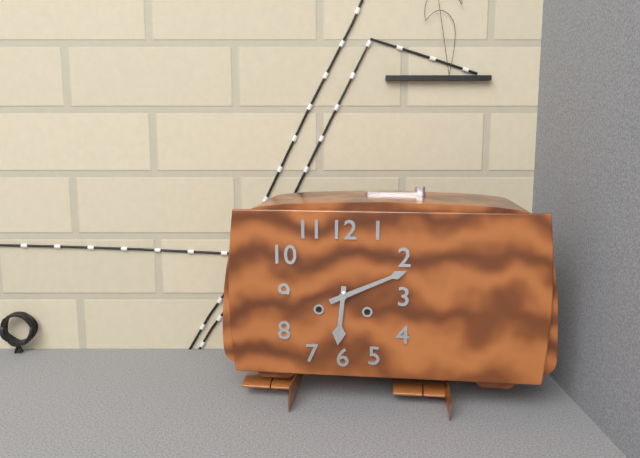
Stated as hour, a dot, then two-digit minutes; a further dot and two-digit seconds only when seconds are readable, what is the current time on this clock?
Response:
6.11
